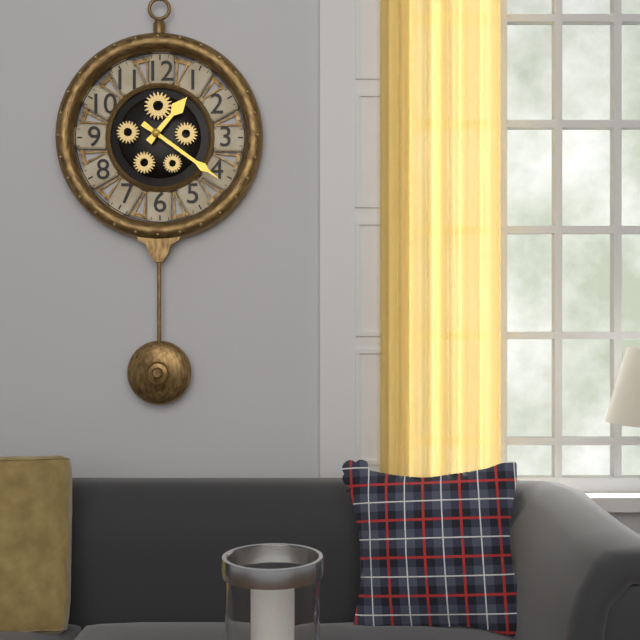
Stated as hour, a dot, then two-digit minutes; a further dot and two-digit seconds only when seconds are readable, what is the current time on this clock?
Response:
1.21
